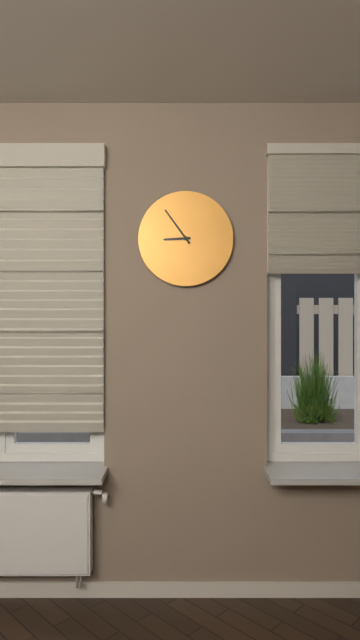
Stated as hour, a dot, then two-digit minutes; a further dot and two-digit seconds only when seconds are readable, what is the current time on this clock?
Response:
8.54
